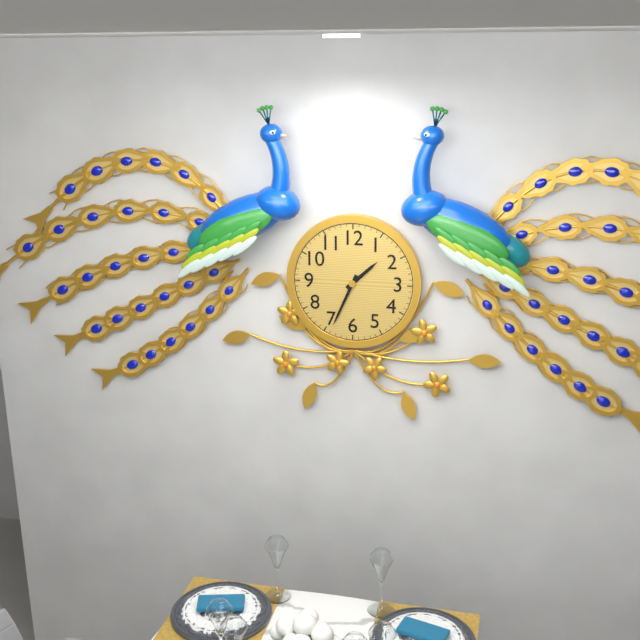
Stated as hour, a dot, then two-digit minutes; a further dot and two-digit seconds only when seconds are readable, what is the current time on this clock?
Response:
1.34
